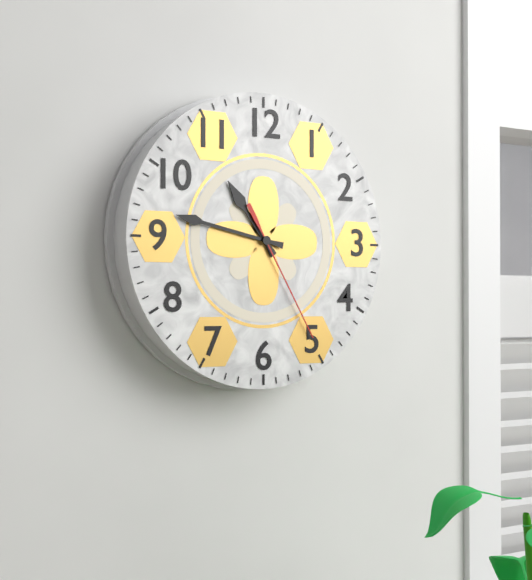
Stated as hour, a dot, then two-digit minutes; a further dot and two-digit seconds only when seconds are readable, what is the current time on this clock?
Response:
10.47.25
